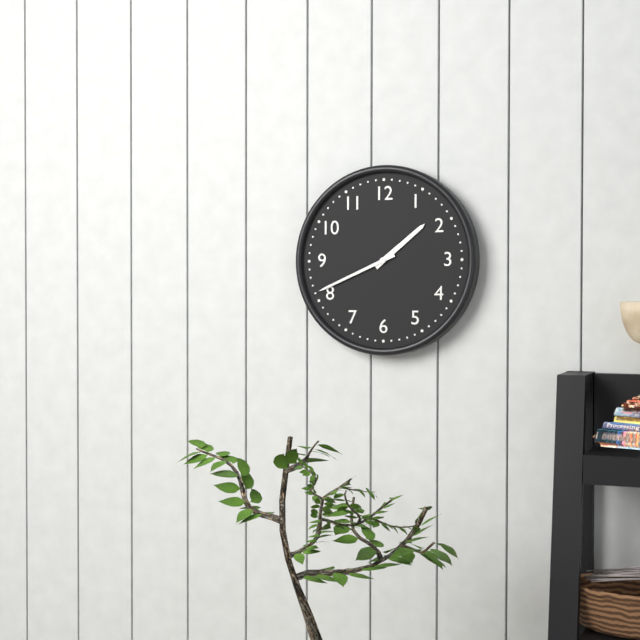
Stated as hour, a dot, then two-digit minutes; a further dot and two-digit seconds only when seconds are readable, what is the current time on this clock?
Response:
1.41
